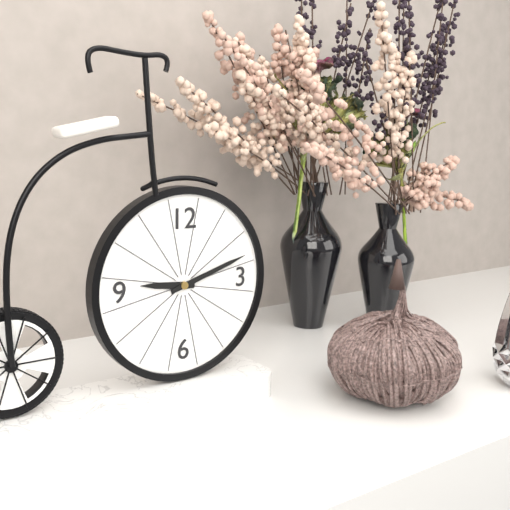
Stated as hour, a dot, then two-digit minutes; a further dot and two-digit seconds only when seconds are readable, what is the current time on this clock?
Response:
9.12
